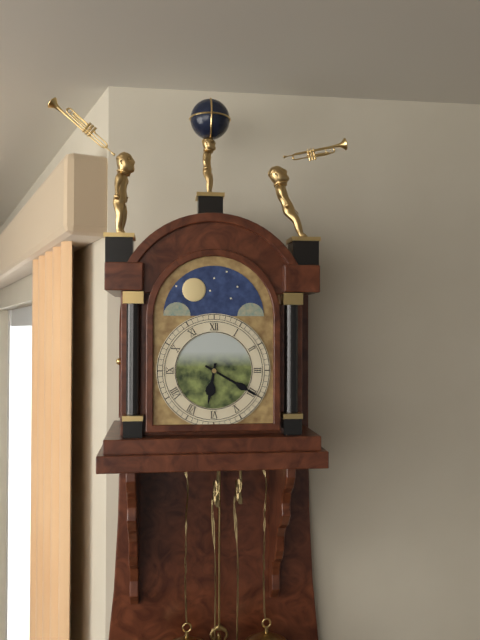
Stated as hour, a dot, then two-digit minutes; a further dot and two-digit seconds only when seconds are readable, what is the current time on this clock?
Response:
6.20
